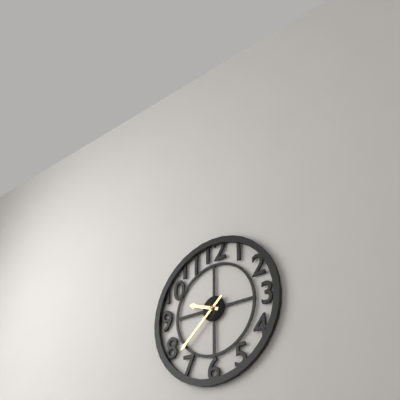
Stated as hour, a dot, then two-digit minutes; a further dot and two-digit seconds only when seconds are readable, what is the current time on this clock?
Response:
9.38
